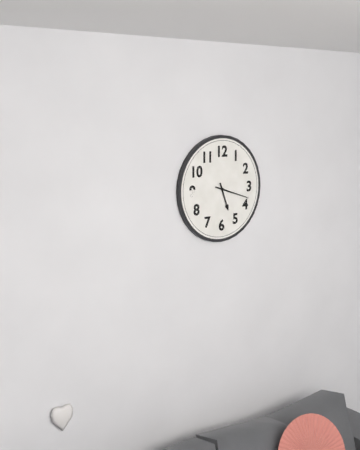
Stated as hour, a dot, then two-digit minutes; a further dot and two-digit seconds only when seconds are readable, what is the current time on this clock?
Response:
5.18
